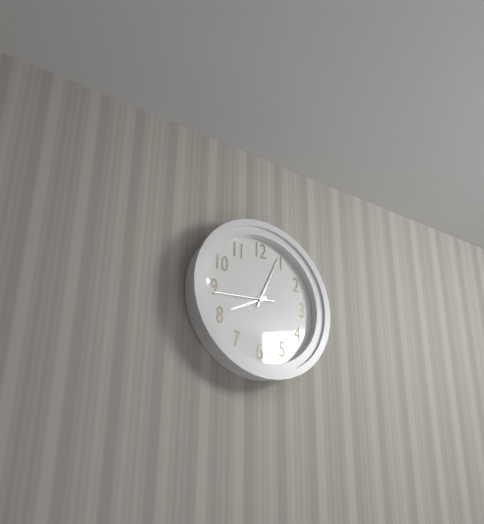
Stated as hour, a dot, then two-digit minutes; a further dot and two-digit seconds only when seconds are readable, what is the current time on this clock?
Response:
8.04.44
